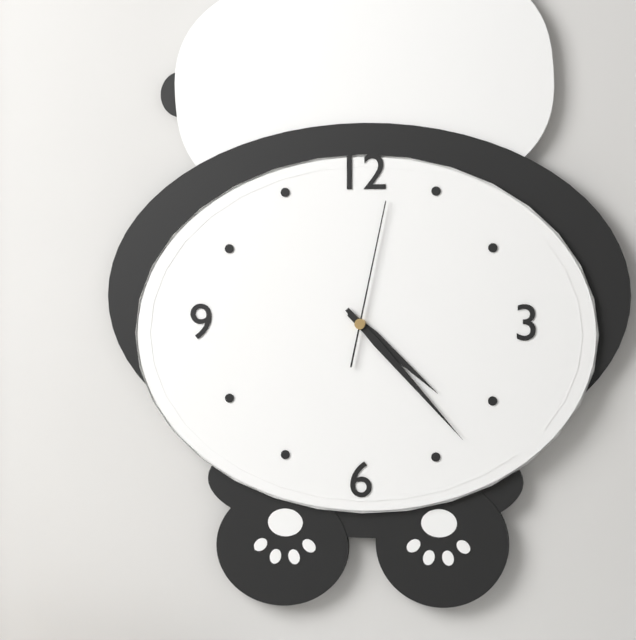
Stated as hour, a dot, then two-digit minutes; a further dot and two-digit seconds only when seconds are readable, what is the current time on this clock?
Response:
4.23.02
